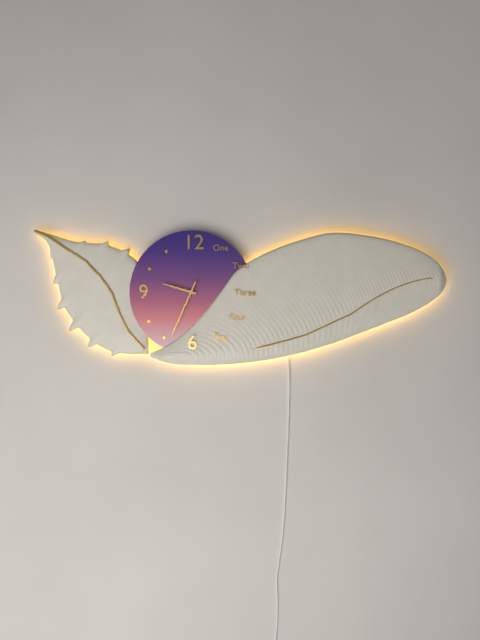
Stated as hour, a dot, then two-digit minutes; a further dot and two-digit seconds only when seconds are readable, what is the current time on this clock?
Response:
9.34
